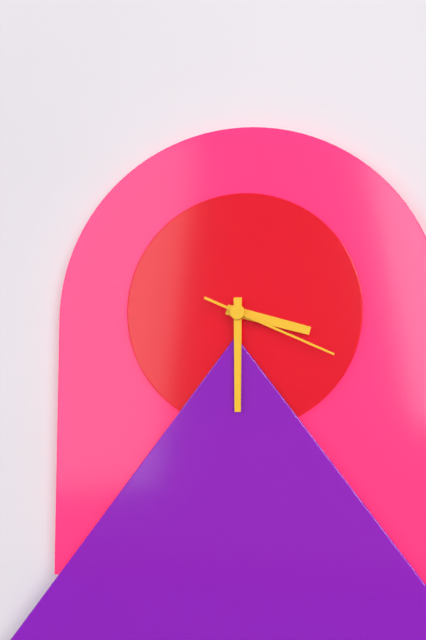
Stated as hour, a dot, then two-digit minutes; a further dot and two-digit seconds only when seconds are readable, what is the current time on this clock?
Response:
3.30.19
